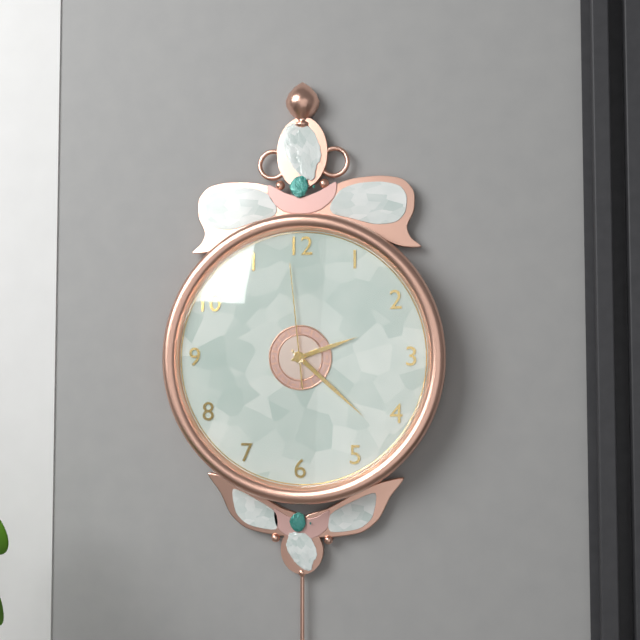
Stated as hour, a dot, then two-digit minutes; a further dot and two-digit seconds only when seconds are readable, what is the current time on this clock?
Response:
2.22.59
